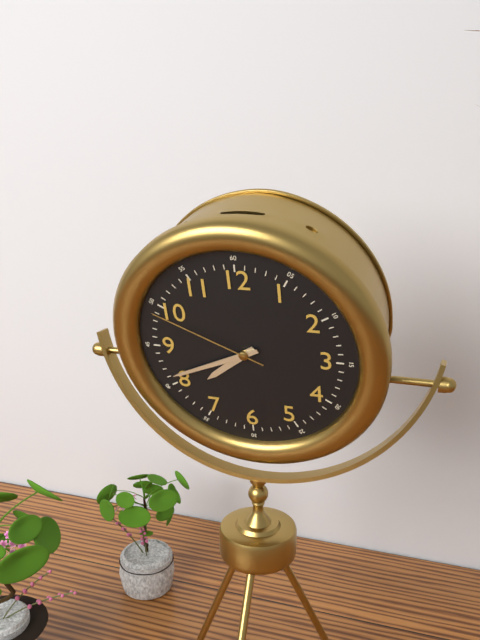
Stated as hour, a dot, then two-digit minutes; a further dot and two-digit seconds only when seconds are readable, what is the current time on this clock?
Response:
7.41.49
